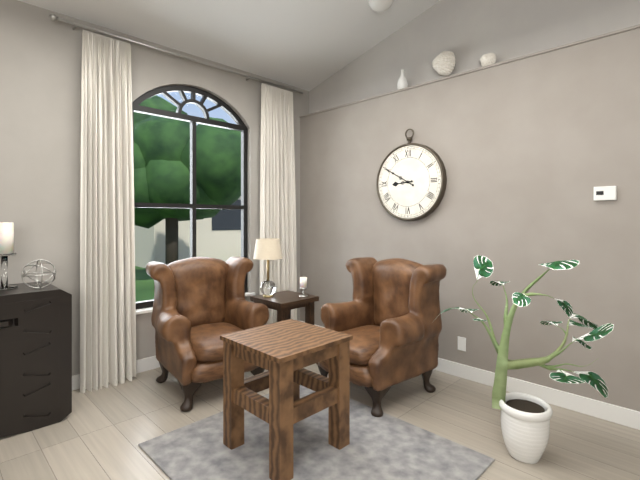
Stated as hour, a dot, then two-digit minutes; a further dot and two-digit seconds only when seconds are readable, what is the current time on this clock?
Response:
8.50
